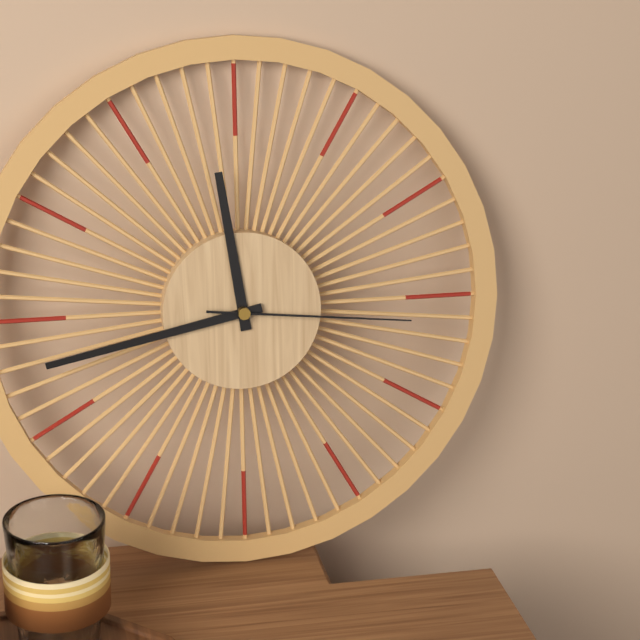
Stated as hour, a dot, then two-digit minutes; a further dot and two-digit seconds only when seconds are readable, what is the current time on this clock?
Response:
11.43.16
